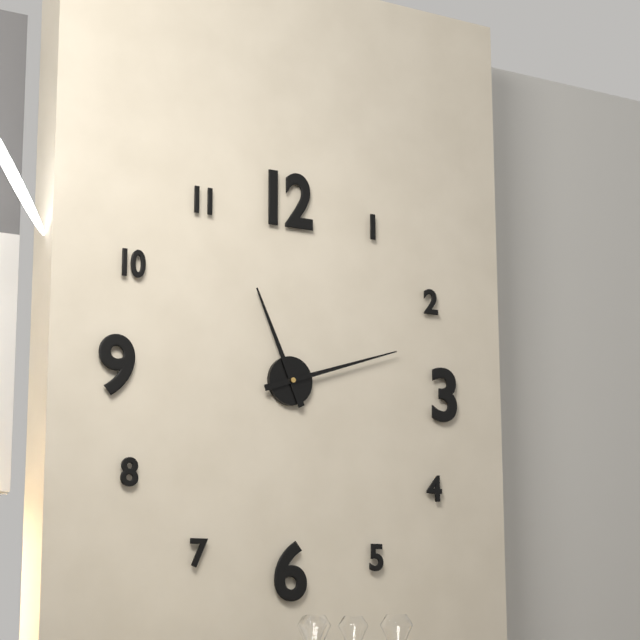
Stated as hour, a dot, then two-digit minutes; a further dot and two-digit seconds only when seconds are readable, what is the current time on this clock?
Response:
11.12
